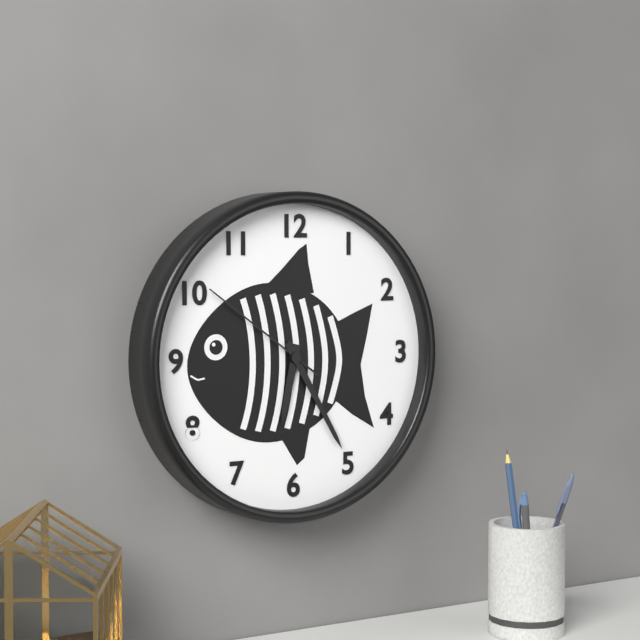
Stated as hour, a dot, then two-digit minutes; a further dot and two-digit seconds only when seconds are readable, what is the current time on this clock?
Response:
6.25.51
